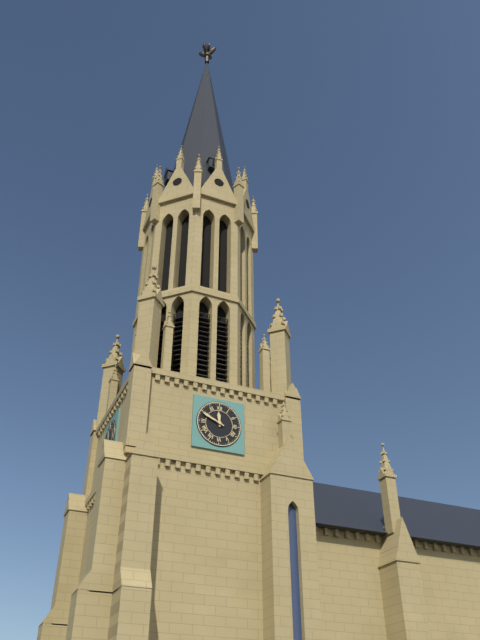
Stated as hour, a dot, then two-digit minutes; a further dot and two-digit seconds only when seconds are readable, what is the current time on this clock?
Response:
11.49
